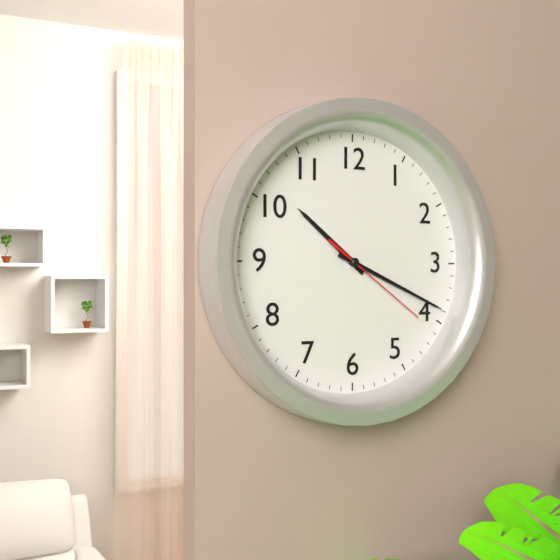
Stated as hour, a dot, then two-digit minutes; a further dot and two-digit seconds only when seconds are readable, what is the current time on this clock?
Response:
10.19.21
